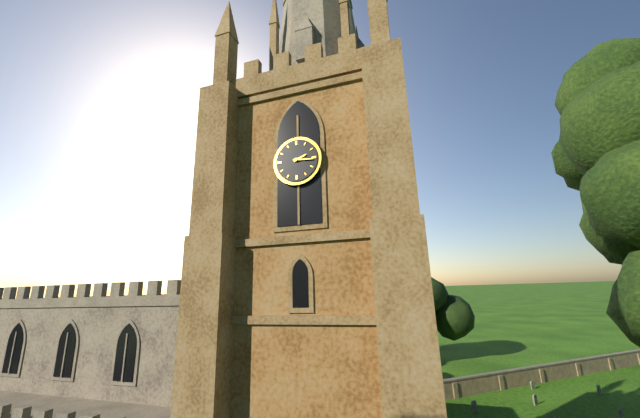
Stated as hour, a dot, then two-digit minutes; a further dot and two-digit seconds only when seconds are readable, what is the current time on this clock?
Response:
2.16
